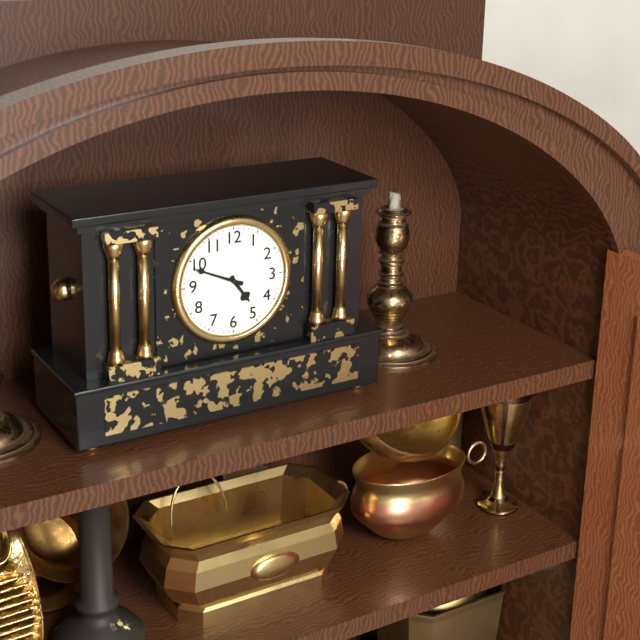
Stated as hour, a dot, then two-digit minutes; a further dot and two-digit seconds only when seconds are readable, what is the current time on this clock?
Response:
4.49
